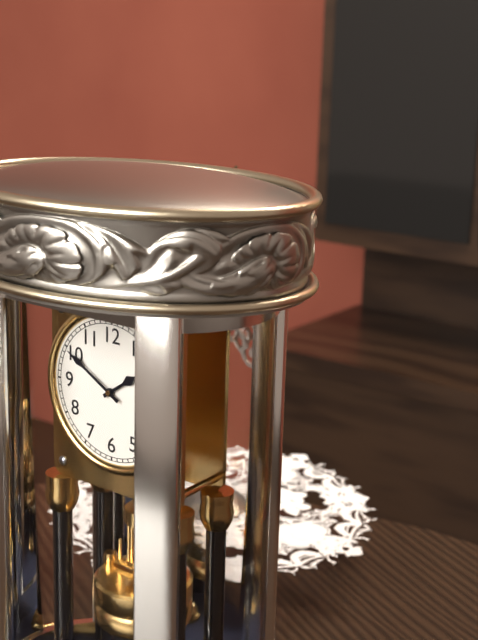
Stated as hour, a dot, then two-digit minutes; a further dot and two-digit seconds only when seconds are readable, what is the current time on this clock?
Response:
1.50
